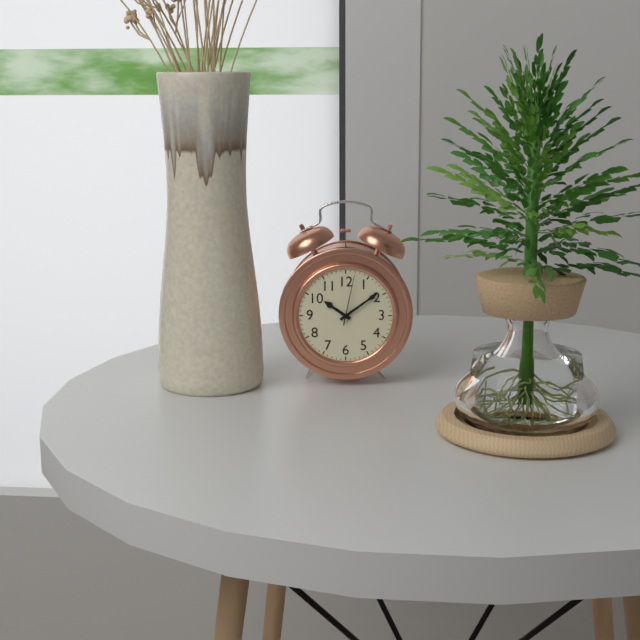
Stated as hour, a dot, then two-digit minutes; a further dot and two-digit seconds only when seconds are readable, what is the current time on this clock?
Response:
10.09.02
